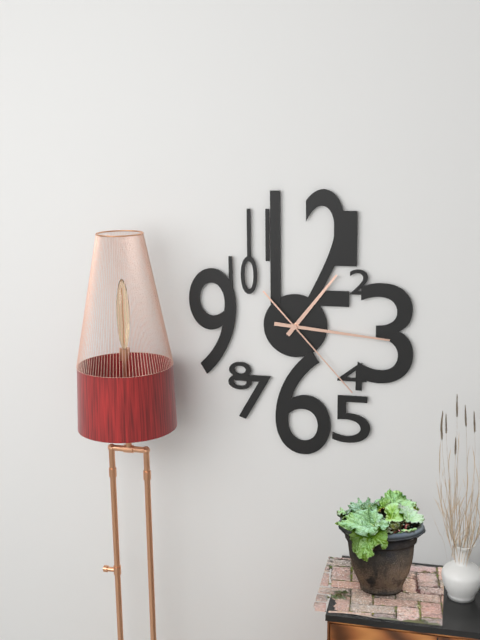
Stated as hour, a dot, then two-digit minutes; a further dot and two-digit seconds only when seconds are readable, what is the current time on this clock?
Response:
1.16.23
